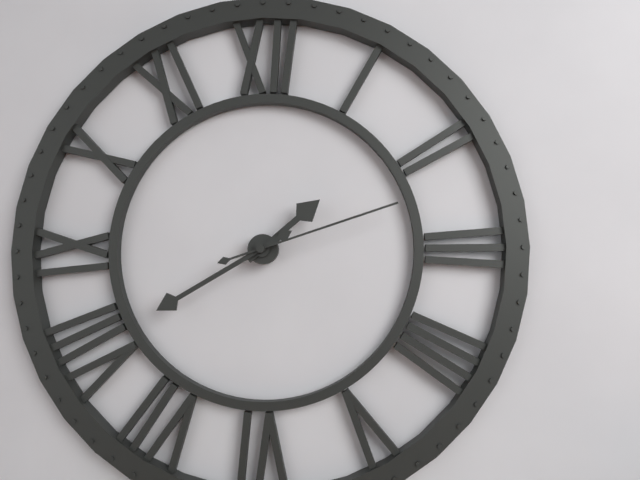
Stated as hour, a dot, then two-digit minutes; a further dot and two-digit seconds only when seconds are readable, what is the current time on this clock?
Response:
1.40.12
